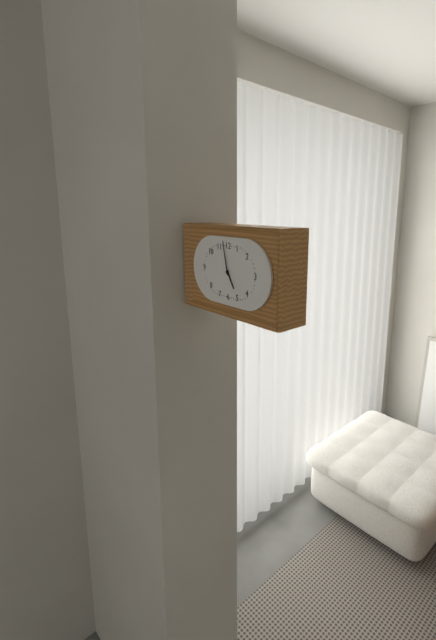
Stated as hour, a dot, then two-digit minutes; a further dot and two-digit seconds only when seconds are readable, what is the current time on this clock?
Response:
4.58
